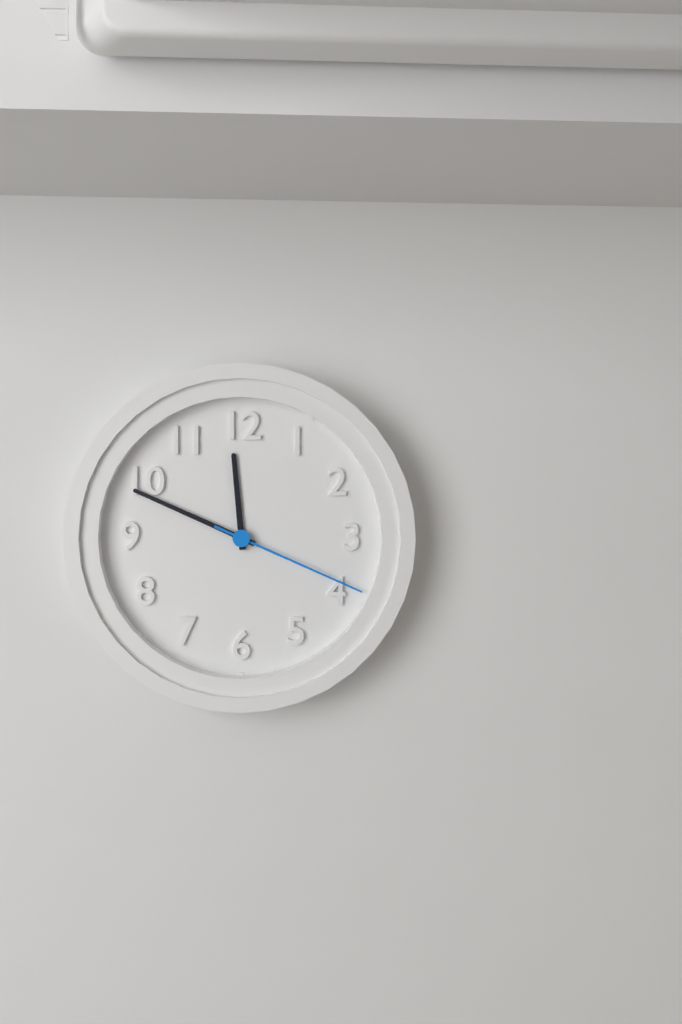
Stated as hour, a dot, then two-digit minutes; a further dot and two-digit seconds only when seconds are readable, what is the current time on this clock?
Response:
11.49.19
